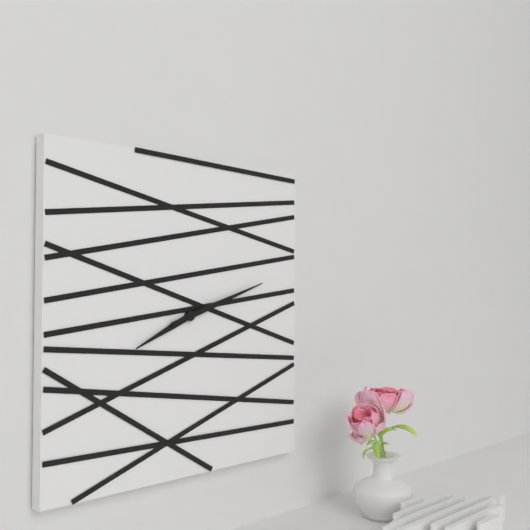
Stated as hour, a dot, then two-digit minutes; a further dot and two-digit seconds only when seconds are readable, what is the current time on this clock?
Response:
8.12
